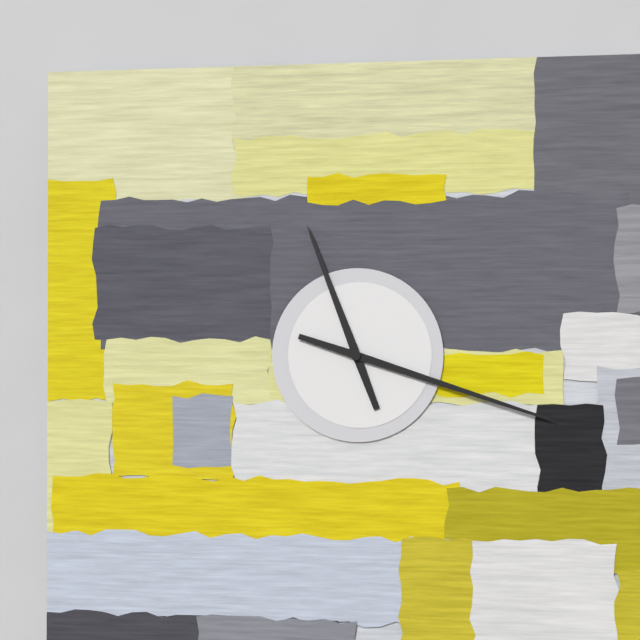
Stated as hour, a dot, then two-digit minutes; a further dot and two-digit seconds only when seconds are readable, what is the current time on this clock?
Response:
11.18
